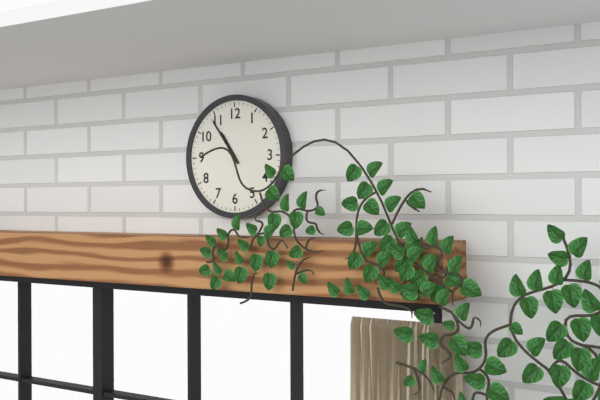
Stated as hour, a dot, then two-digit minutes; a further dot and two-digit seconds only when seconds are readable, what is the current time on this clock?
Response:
10.54
